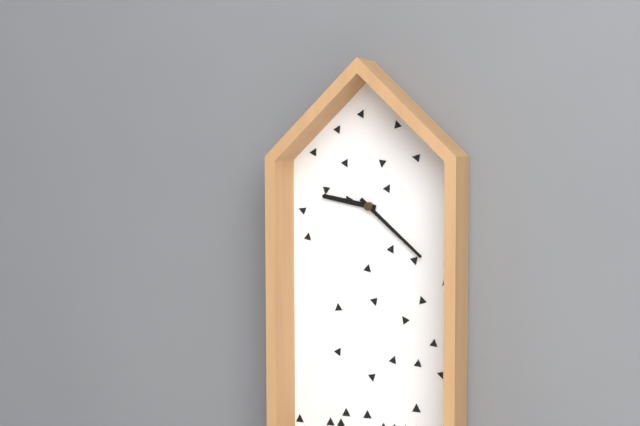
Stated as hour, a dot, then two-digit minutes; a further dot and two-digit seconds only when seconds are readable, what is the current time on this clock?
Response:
9.22
